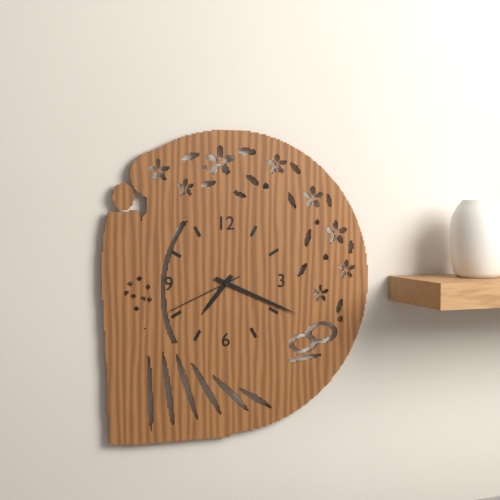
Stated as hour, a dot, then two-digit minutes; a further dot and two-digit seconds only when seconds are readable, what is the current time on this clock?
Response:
7.19.41
